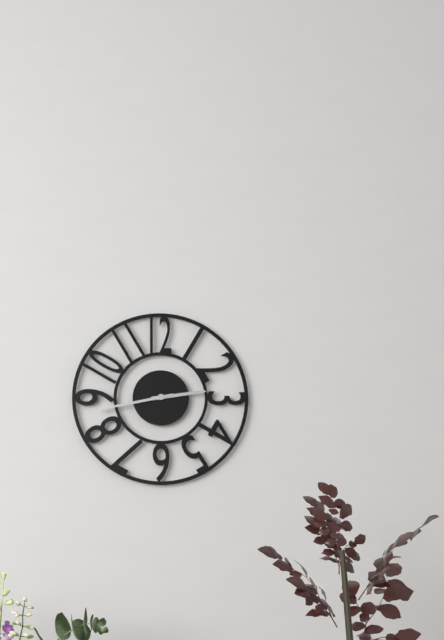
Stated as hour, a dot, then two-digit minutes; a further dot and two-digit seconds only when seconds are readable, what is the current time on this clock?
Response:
2.43
